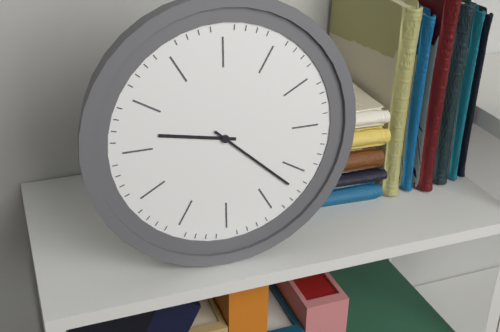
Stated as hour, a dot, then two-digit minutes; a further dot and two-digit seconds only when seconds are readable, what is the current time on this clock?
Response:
9.22
